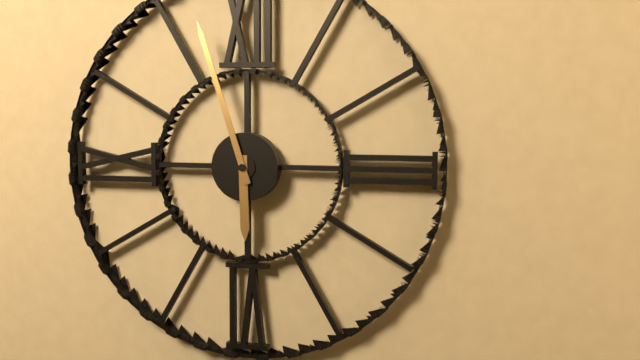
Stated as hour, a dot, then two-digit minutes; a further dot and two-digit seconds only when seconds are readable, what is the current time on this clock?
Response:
5.57
